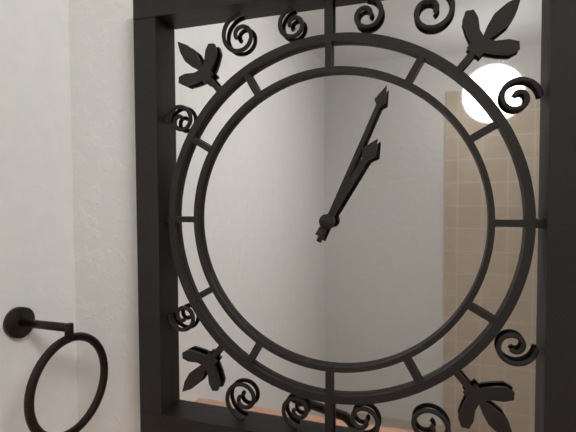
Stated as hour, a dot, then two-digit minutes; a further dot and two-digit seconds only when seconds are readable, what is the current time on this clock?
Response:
1.04
